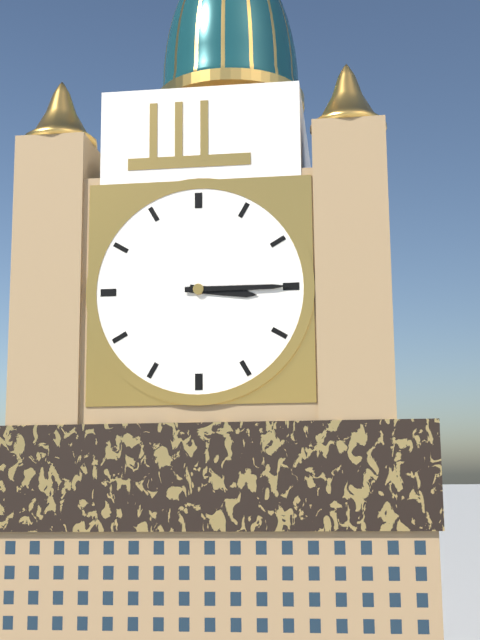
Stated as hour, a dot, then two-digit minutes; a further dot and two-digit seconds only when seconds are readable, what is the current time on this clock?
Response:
3.15
